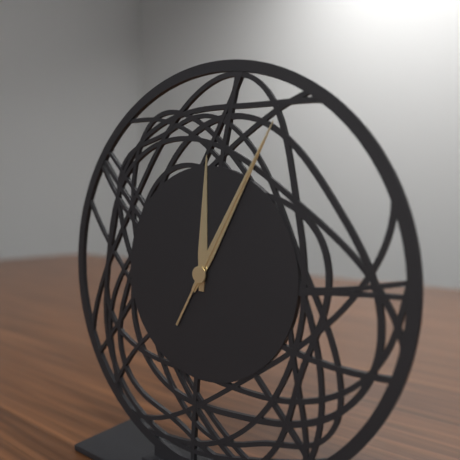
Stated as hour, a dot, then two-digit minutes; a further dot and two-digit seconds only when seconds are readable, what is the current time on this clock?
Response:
12.05.05
